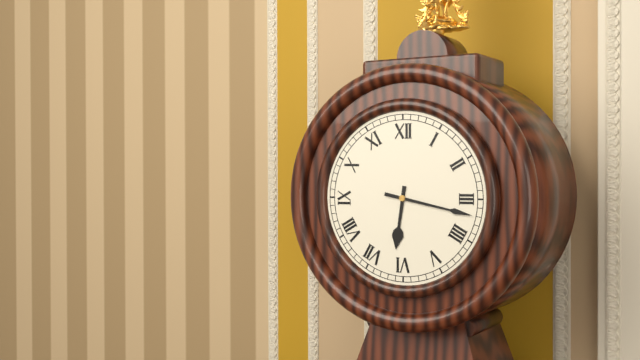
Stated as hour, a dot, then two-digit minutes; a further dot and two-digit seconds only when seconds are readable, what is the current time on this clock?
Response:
6.17
